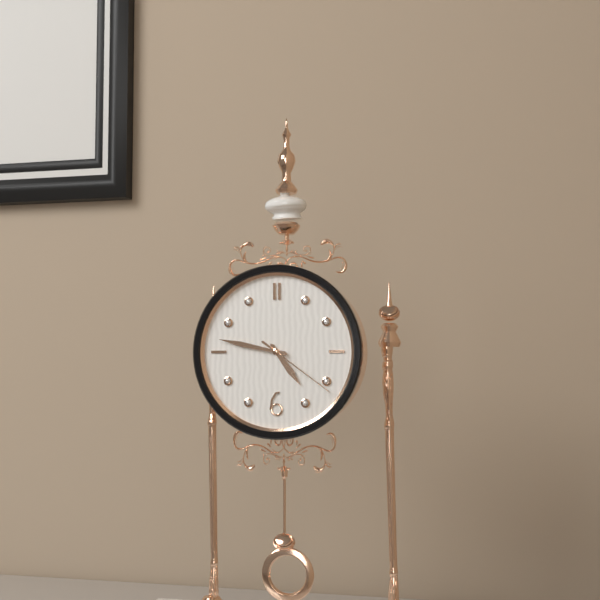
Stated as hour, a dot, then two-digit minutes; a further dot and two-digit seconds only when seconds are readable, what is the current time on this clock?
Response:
4.47.21
